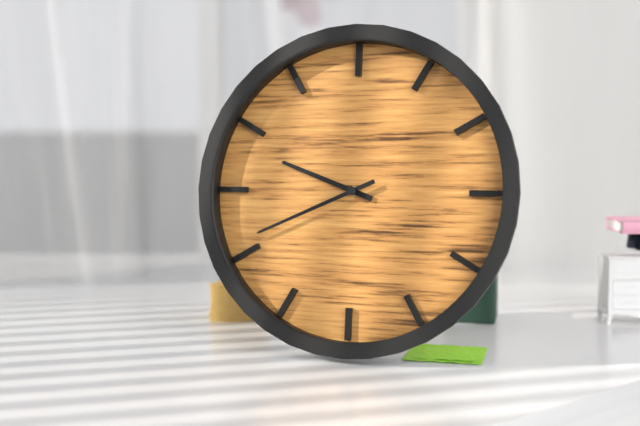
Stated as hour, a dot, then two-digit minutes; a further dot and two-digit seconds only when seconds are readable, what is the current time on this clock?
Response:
9.41
